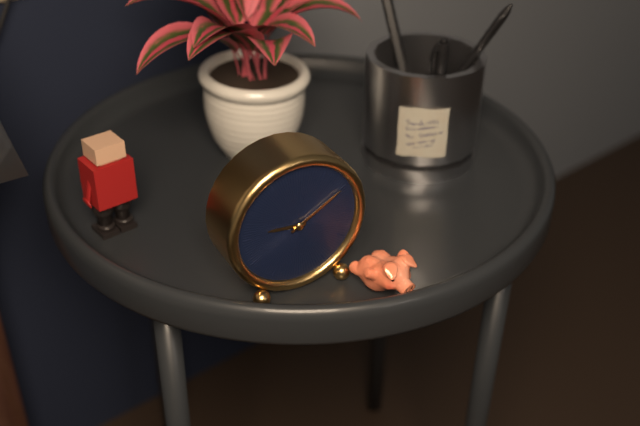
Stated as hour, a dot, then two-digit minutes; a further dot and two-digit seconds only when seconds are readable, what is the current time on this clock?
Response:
9.10
